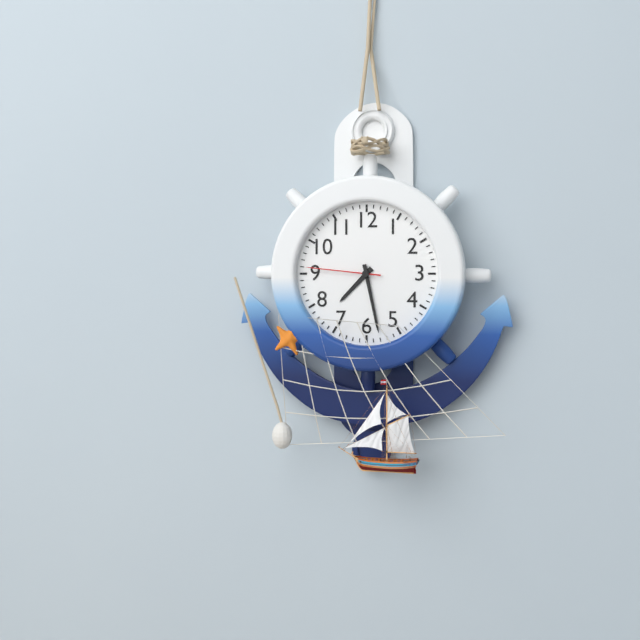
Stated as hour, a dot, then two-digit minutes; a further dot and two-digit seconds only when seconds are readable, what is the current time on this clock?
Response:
7.28.46
